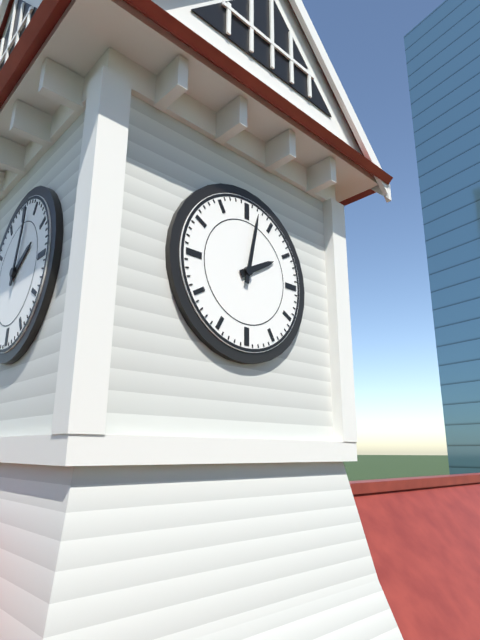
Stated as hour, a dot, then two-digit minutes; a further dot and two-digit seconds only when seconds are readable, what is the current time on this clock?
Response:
2.02
